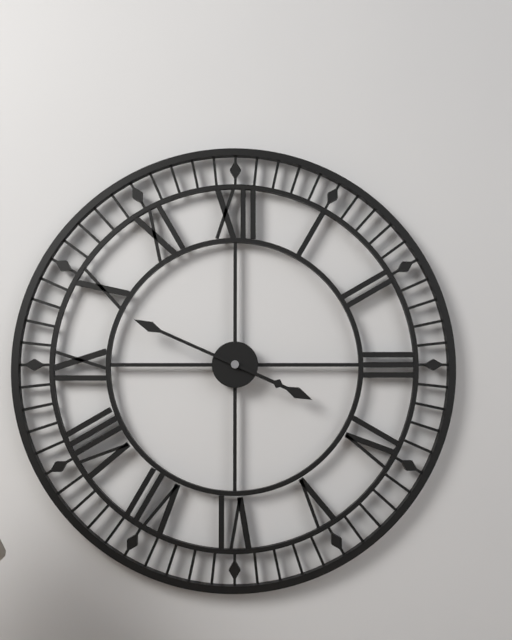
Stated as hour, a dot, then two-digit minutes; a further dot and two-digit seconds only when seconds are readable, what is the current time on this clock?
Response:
3.49
